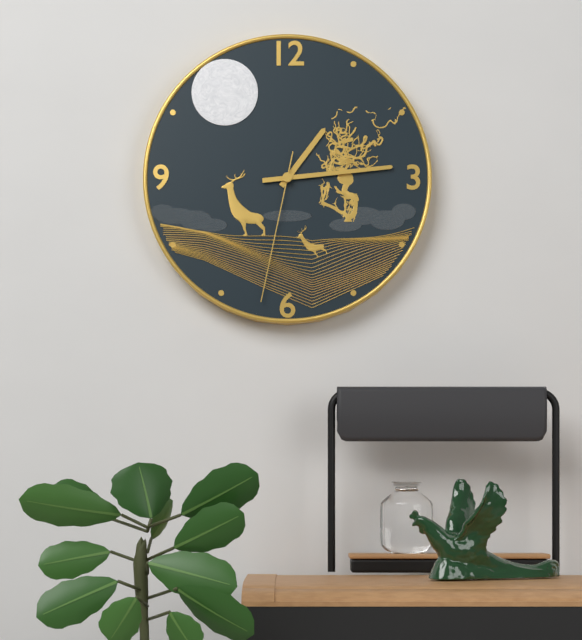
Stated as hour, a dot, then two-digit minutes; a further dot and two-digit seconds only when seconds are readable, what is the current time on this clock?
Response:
1.14.32
